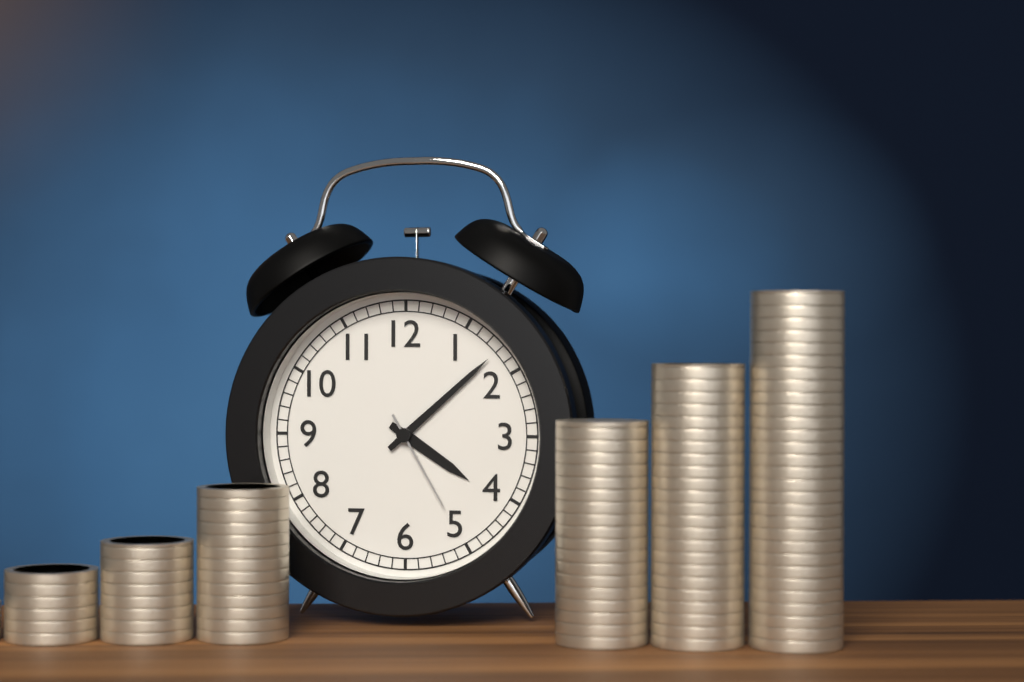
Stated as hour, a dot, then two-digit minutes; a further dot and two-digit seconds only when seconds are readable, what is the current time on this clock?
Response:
4.08.25
